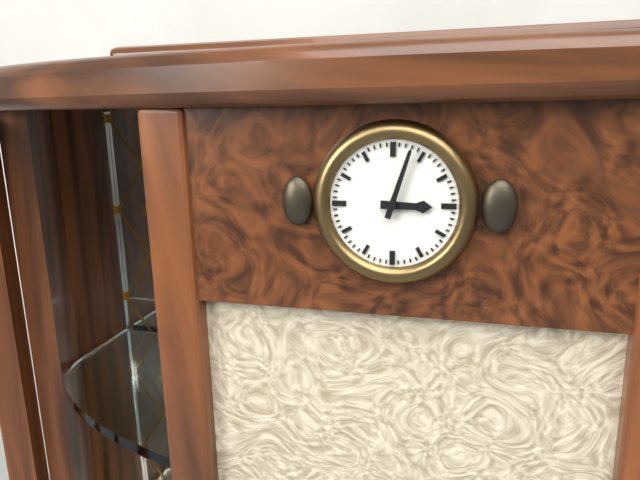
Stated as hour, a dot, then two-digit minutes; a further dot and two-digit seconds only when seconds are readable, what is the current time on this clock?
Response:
3.03
